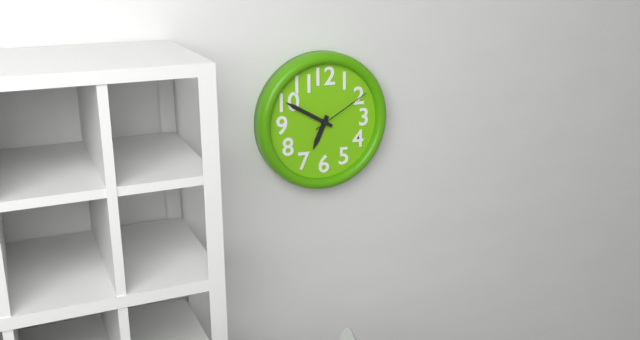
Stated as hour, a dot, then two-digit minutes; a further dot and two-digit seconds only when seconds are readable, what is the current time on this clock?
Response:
6.50.10
